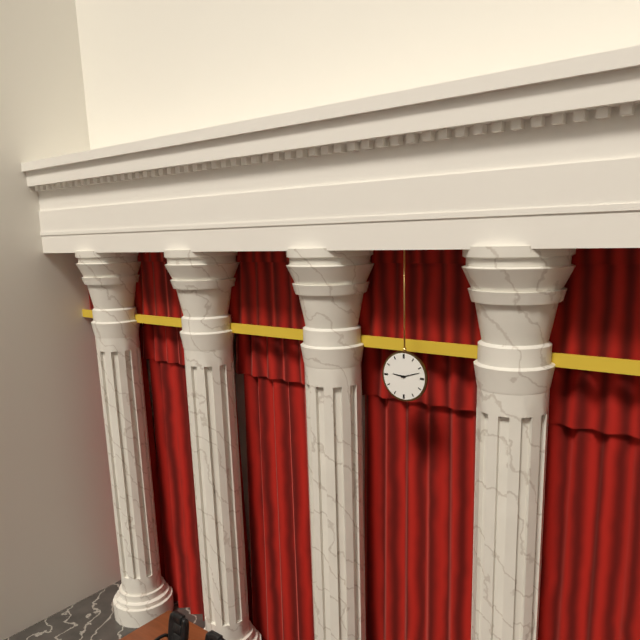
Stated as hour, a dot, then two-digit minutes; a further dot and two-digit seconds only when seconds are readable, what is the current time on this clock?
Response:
9.12
